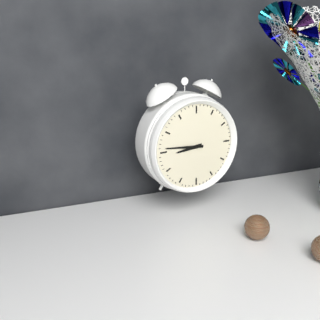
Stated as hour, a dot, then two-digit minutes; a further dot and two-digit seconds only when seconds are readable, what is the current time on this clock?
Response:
8.46
